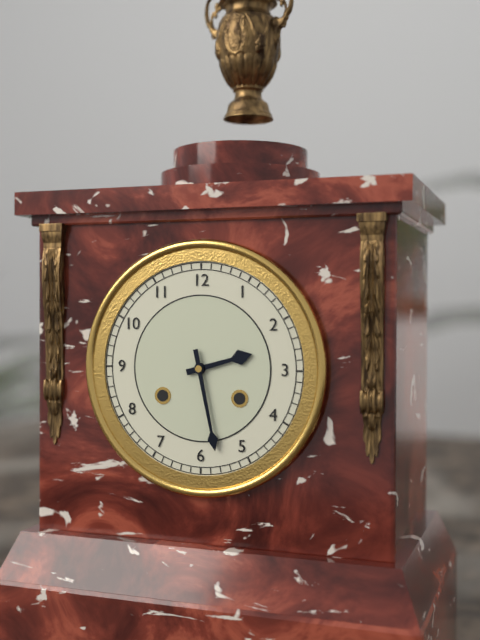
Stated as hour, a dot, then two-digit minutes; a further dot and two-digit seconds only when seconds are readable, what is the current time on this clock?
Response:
2.28
